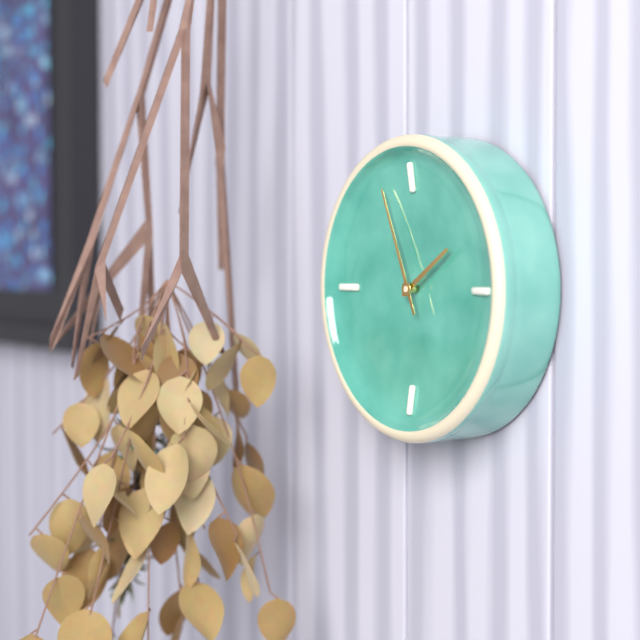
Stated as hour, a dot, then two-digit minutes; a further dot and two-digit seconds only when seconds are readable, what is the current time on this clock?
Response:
1.56
